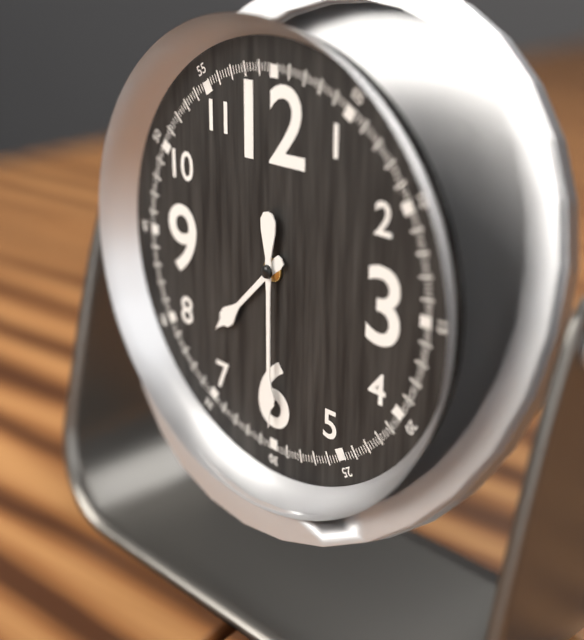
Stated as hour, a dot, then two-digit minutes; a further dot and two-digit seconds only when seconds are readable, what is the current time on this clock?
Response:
7.30
